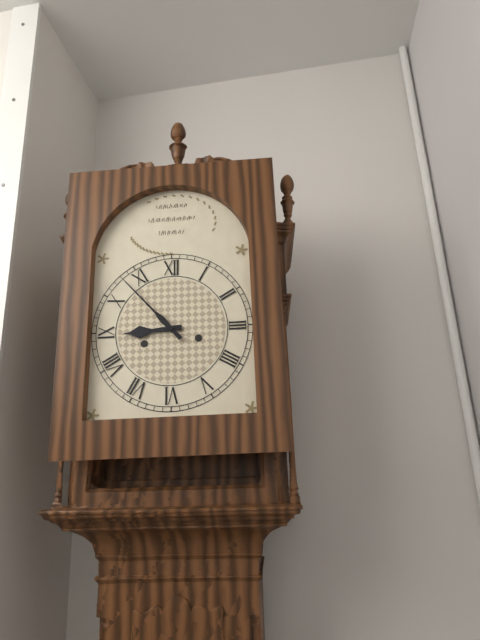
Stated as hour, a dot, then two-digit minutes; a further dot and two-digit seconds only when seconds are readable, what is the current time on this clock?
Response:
8.53
